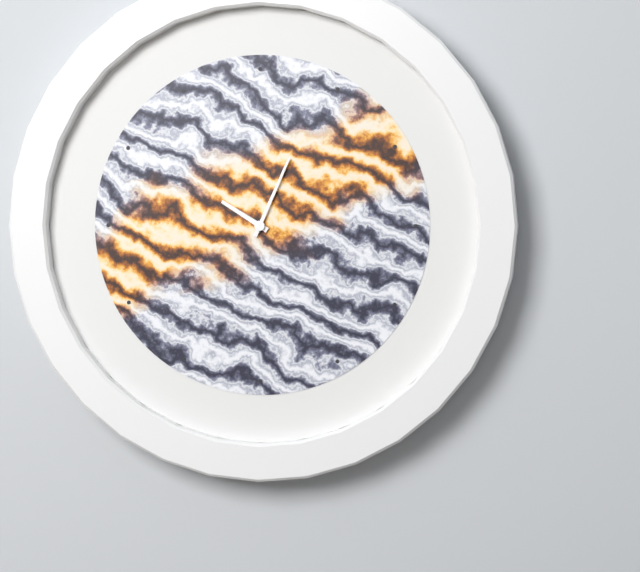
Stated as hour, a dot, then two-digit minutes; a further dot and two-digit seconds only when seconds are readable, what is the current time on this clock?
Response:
10.04
